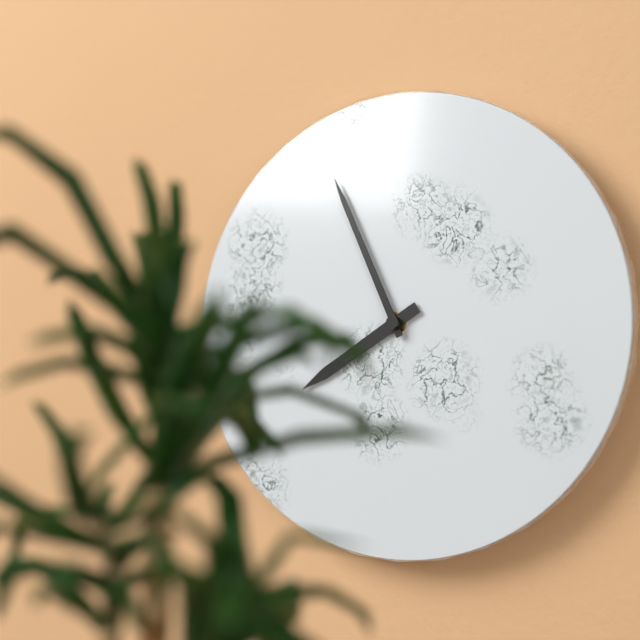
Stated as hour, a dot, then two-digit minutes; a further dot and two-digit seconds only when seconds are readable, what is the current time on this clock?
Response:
7.56
